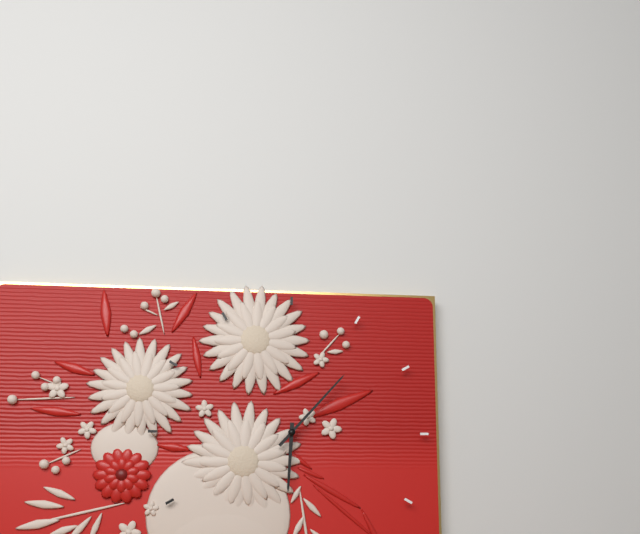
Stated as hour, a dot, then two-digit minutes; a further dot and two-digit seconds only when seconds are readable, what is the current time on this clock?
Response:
6.07
